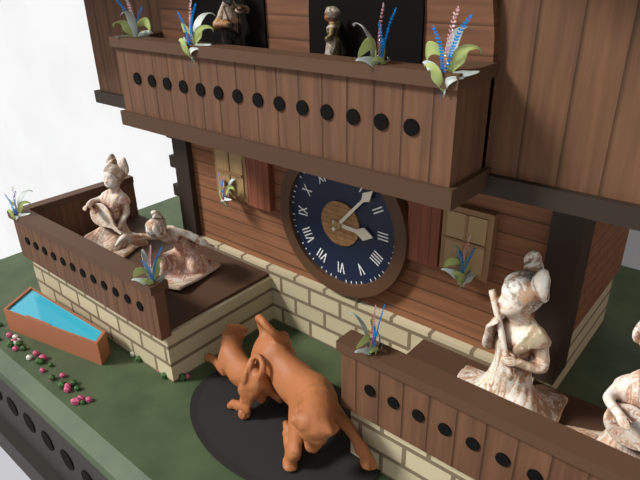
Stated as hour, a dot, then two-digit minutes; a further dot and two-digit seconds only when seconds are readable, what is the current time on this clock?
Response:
3.07
